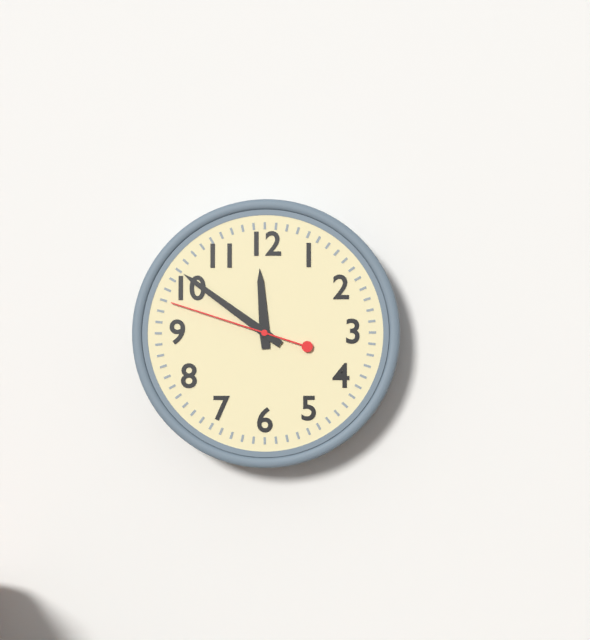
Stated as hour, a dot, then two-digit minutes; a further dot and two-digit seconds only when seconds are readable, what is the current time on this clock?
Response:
11.51.48
